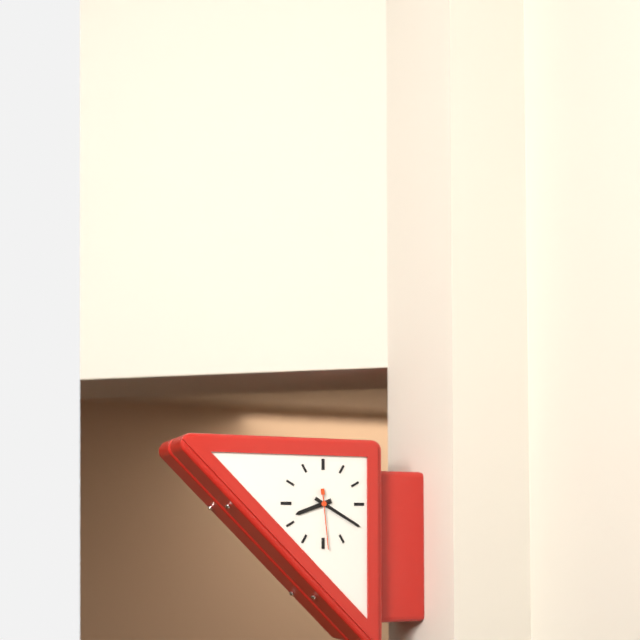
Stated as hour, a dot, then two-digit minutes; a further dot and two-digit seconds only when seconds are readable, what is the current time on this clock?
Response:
8.20.29
